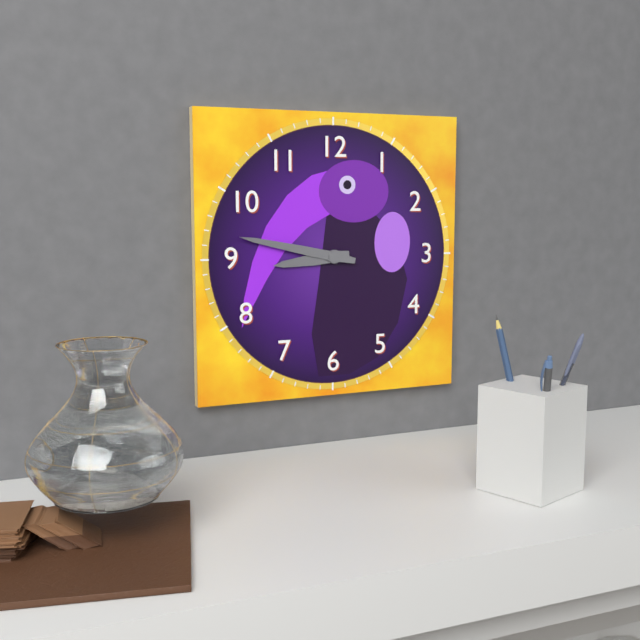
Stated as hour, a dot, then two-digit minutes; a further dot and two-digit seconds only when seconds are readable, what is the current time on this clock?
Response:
8.47
